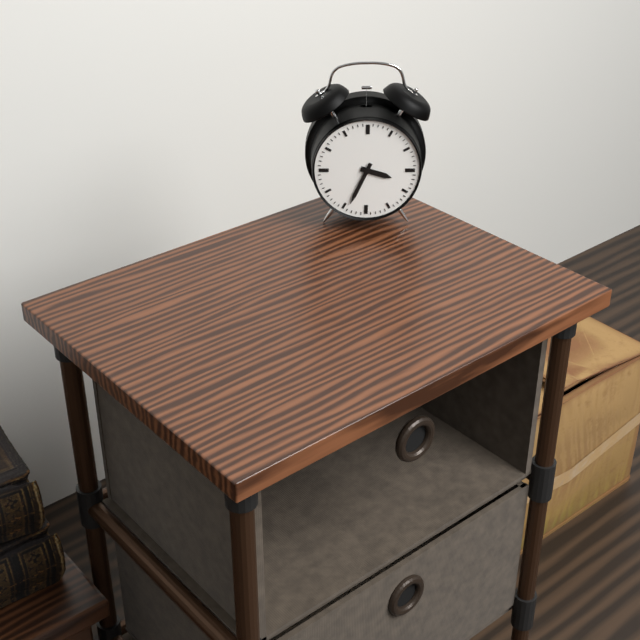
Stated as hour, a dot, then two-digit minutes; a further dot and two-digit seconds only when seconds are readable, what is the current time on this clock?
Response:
3.34
